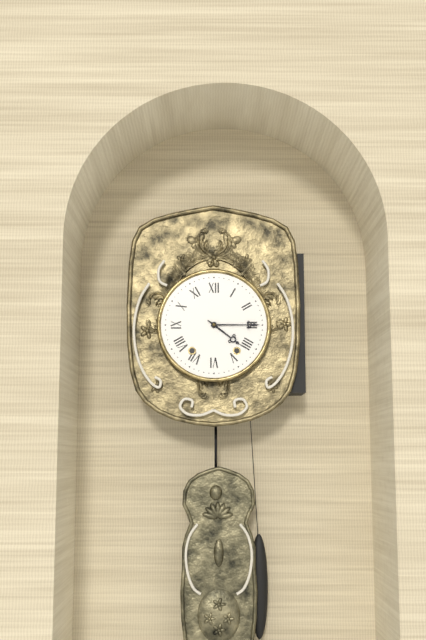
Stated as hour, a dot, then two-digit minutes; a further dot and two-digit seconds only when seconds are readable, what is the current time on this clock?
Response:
4.15
